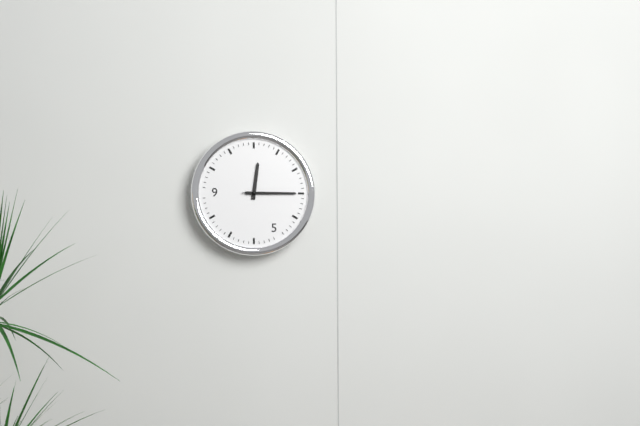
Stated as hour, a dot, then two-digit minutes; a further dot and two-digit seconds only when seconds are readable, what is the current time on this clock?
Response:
12.15.15
